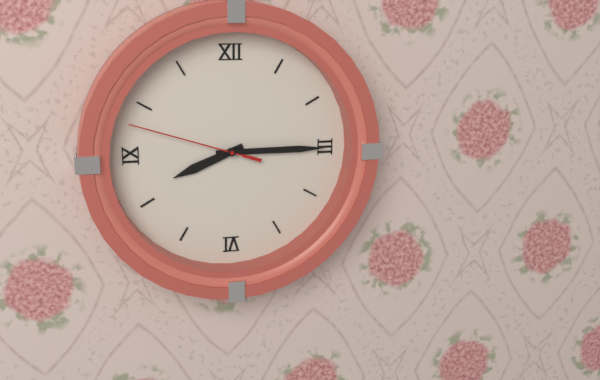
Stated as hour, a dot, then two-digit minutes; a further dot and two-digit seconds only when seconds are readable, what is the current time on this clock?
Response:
8.15.48
